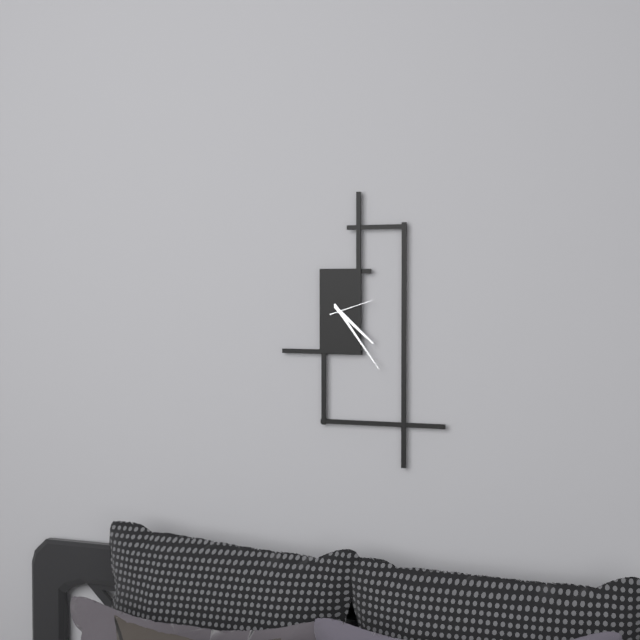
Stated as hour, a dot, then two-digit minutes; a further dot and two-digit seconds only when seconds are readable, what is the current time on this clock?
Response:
4.24
